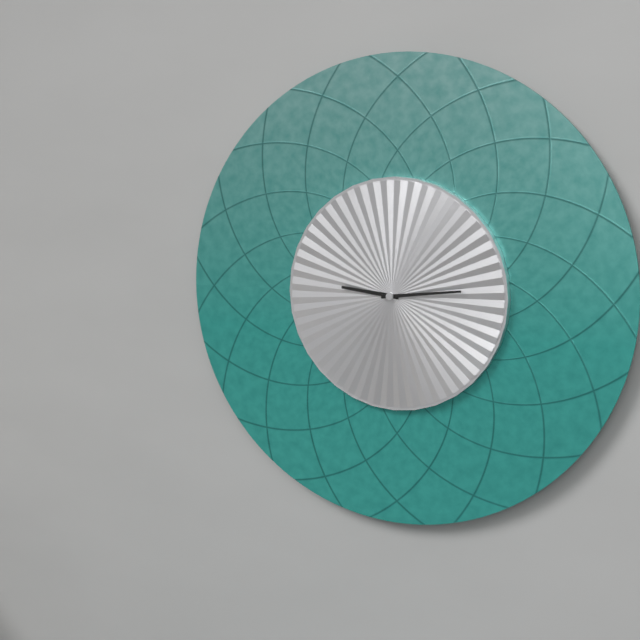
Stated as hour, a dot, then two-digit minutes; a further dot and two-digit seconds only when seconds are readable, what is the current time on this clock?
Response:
9.14
